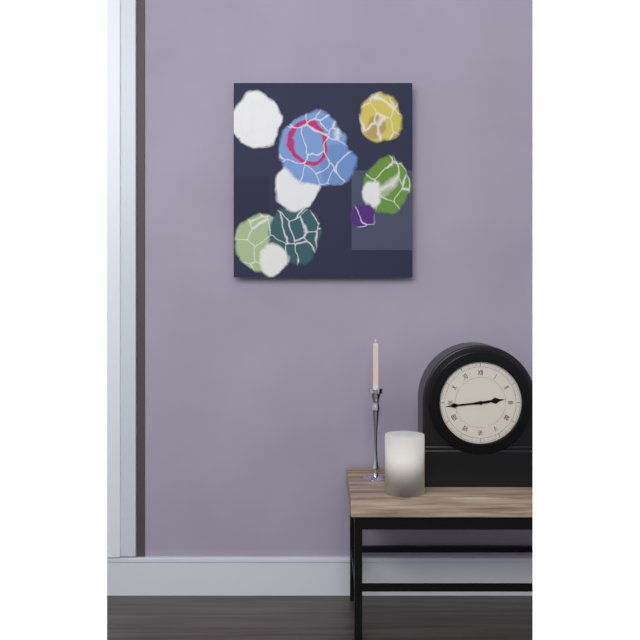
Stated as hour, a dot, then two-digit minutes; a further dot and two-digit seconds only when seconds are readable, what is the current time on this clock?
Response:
2.44
